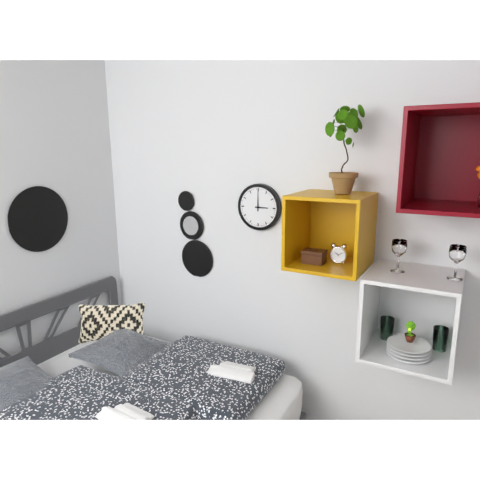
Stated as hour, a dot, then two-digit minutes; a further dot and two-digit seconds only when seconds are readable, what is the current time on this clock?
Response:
3.00
